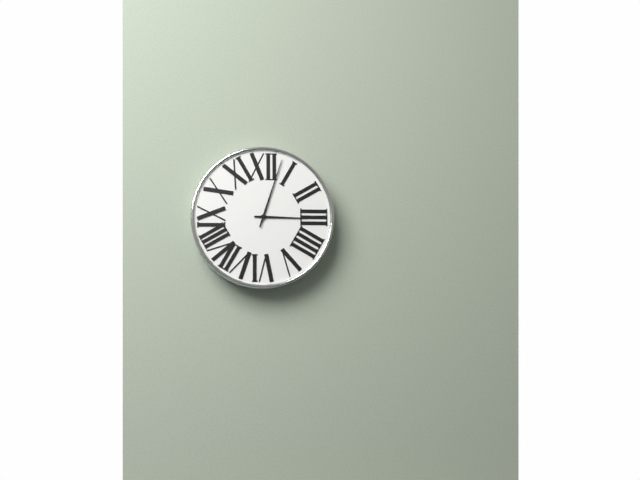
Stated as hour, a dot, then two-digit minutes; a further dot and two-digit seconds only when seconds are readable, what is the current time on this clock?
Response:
3.03
